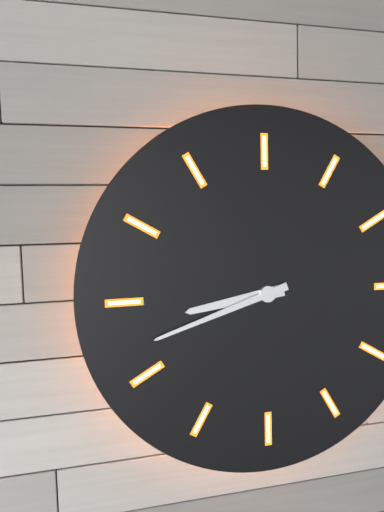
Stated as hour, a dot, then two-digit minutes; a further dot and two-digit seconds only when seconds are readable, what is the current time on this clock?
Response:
8.42
